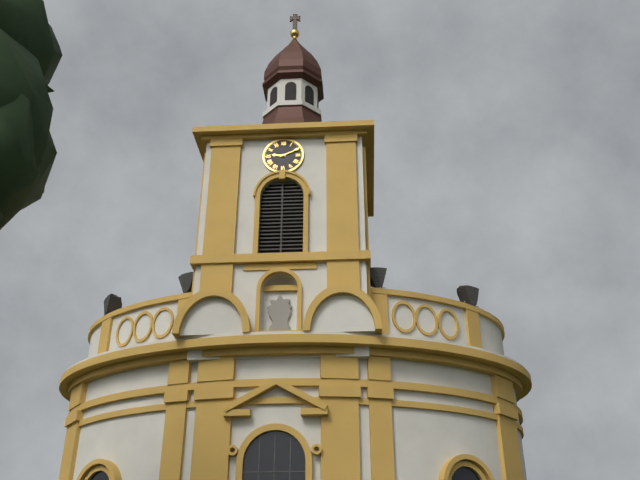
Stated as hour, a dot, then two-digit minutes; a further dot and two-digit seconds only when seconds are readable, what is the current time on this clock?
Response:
9.11
